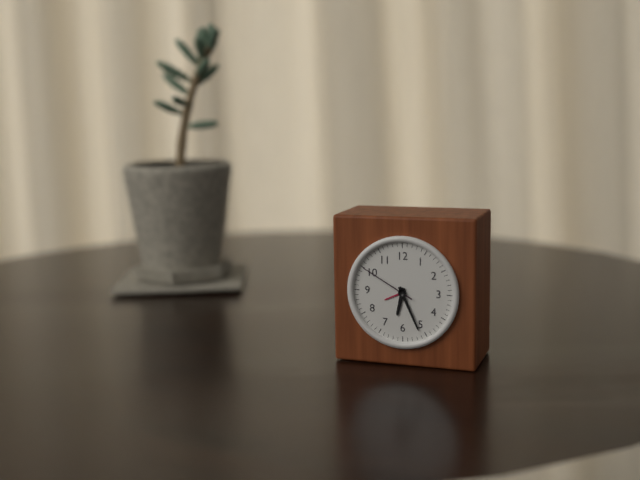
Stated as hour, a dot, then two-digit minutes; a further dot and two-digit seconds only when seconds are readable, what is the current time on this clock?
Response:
6.26.50
